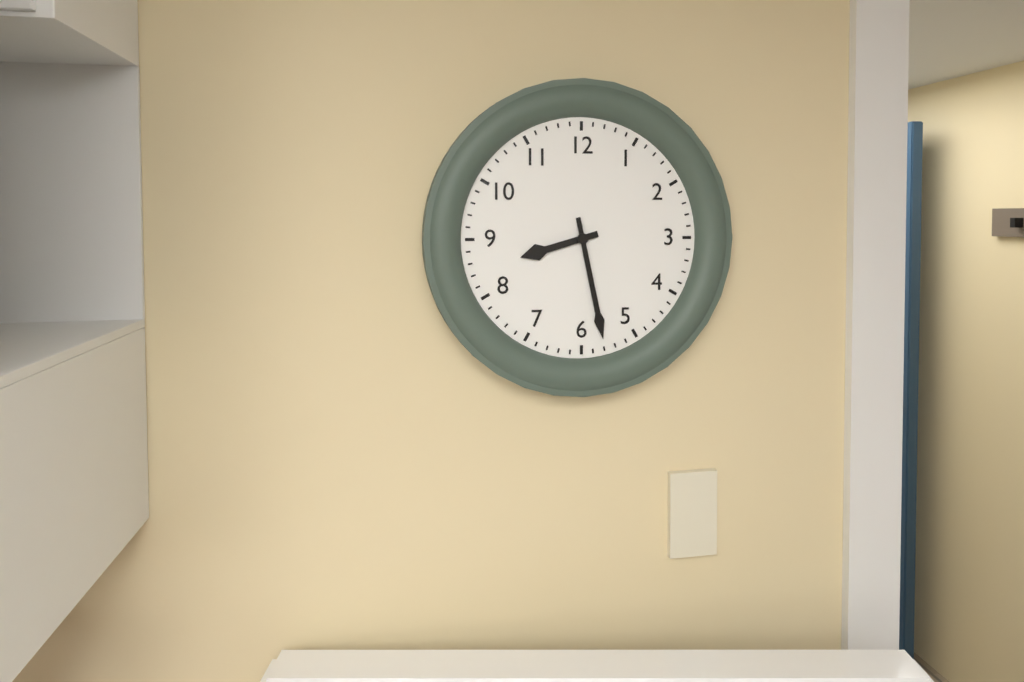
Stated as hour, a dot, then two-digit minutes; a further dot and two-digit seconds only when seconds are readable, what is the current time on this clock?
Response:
8.28
